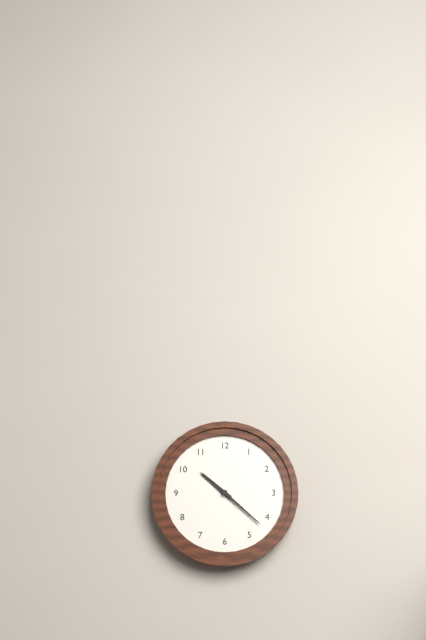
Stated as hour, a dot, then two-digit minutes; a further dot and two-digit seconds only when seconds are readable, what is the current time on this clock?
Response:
10.22
